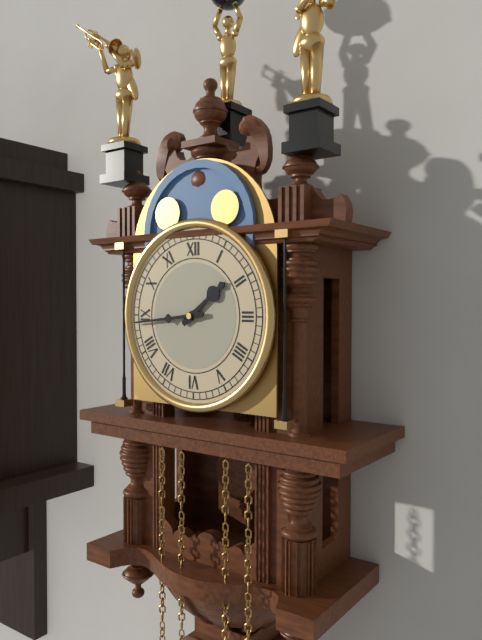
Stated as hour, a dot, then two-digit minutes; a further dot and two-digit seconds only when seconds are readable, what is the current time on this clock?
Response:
1.44
